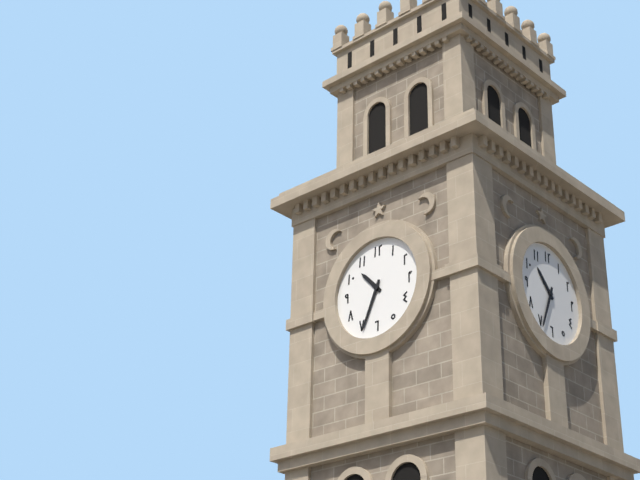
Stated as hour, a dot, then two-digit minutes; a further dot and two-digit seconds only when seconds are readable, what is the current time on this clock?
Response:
10.34
